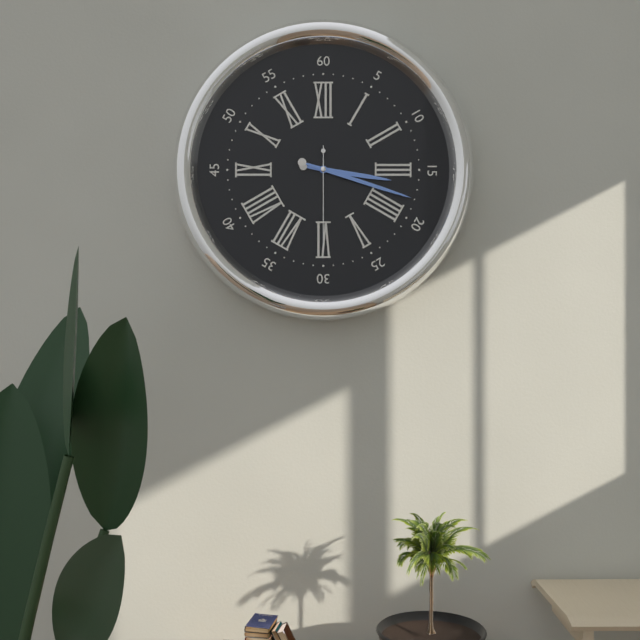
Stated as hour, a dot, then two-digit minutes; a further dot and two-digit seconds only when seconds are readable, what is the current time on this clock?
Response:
3.18.30
